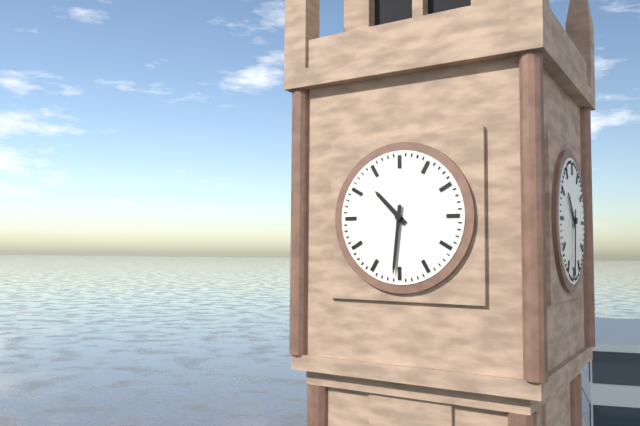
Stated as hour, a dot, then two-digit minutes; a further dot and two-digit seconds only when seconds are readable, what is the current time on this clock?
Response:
10.31
